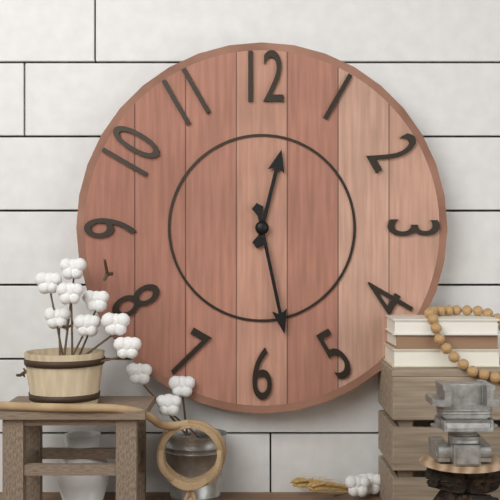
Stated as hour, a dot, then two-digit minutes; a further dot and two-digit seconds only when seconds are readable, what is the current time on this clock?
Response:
12.28
